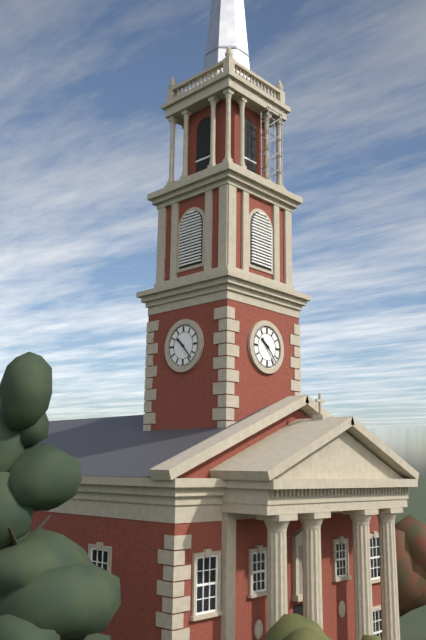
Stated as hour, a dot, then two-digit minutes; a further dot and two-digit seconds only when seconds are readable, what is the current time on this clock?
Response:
10.23
